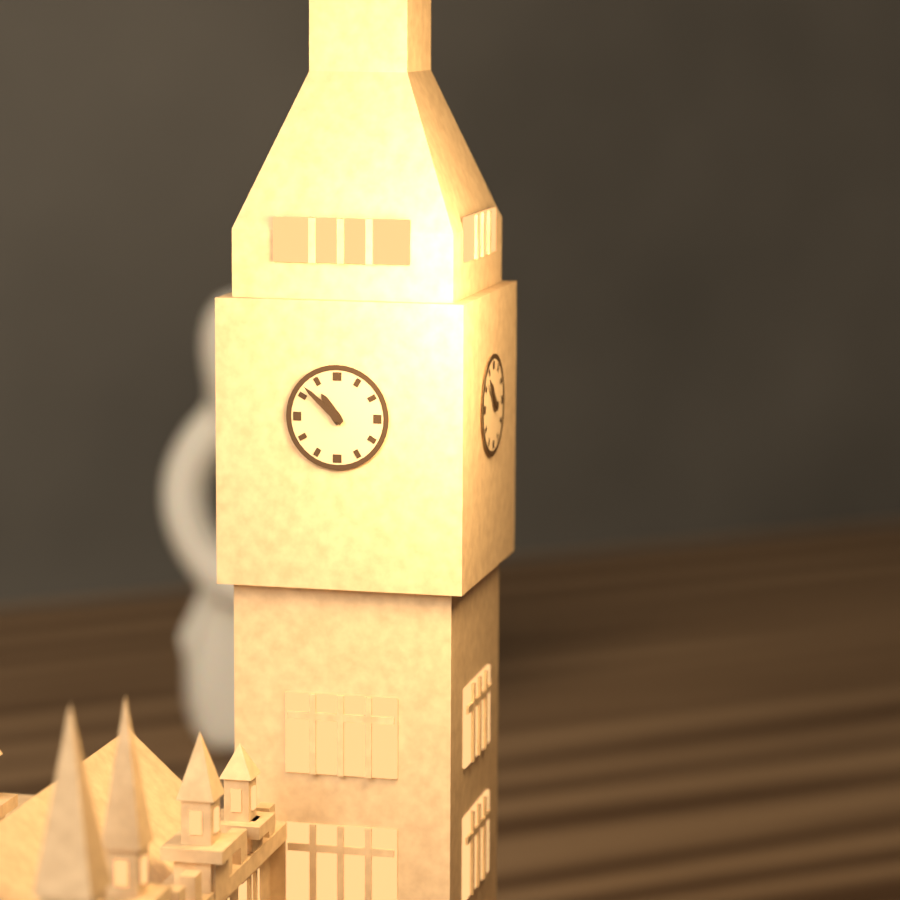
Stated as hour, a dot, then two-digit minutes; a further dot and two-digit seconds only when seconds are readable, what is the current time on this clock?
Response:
10.52
